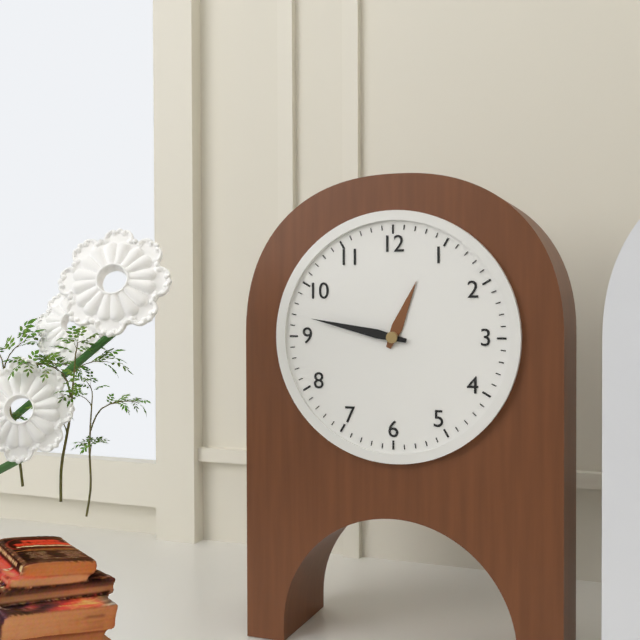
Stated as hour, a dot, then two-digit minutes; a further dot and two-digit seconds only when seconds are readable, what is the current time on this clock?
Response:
12.47
